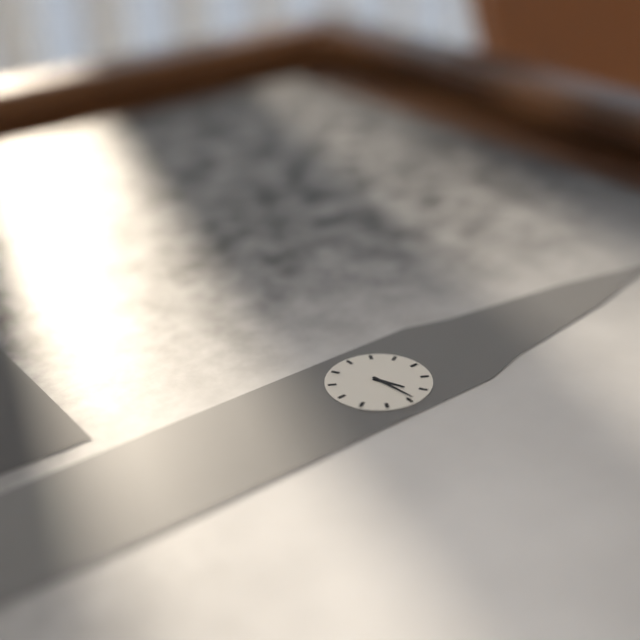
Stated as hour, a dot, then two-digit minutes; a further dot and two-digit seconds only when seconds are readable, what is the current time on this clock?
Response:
2.14
